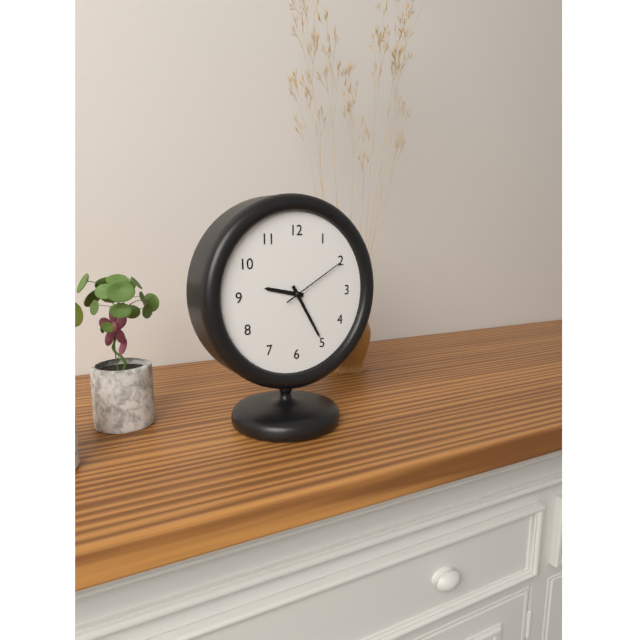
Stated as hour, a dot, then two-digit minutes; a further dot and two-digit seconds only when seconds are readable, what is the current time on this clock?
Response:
9.25.10
